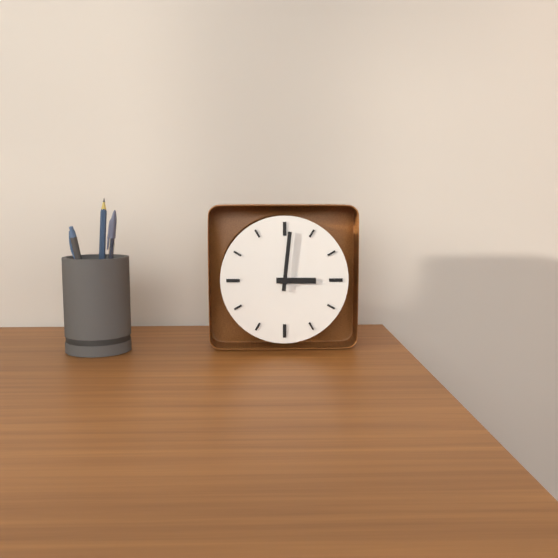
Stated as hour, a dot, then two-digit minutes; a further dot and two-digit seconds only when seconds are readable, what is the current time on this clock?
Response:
3.01
